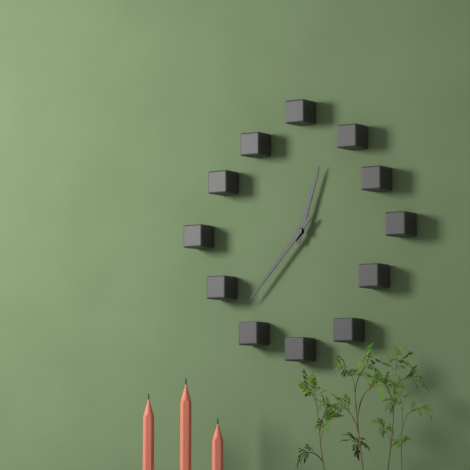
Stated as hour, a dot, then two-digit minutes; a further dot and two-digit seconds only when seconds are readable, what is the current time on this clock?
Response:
12.37
